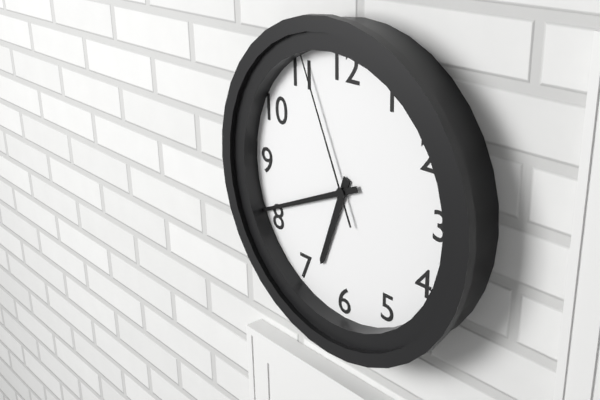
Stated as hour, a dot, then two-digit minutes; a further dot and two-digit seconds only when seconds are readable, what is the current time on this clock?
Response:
6.41.56
